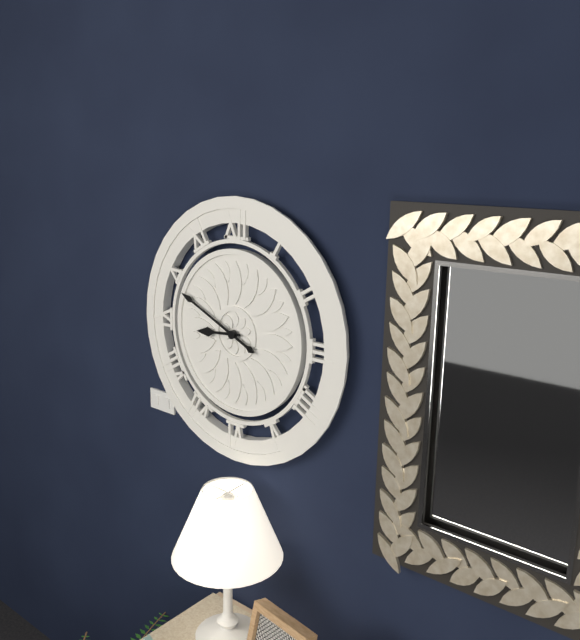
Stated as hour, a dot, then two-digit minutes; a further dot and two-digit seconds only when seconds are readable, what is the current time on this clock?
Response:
8.49
